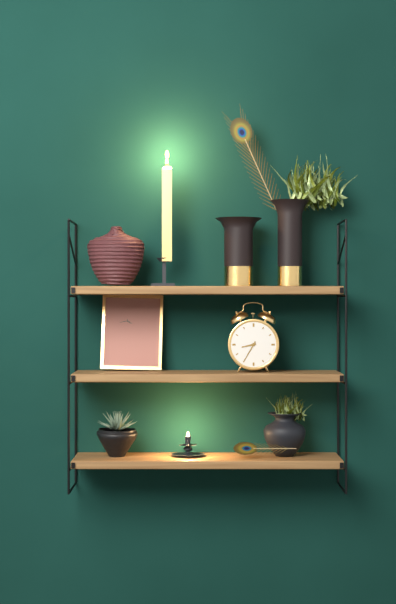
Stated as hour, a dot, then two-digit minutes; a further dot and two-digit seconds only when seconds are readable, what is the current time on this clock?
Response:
8.35
